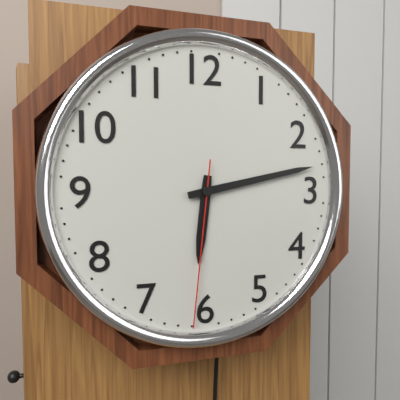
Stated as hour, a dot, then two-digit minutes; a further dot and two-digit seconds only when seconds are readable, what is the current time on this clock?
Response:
6.13.31
